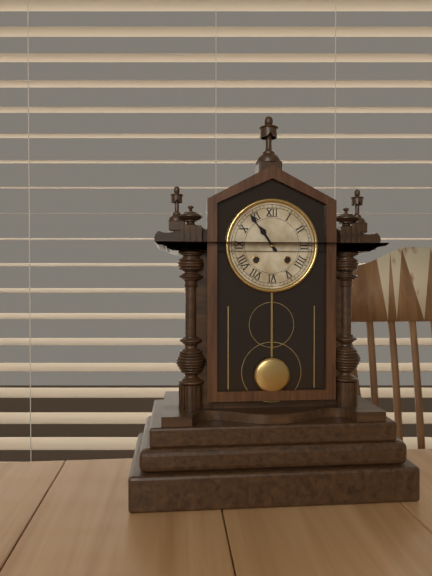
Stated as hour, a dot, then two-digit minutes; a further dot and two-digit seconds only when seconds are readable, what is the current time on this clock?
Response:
10.54
